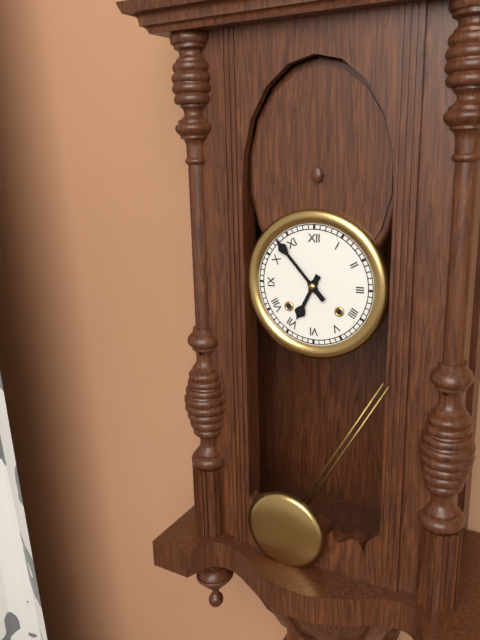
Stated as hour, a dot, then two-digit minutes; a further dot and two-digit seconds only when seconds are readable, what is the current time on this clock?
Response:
6.53
